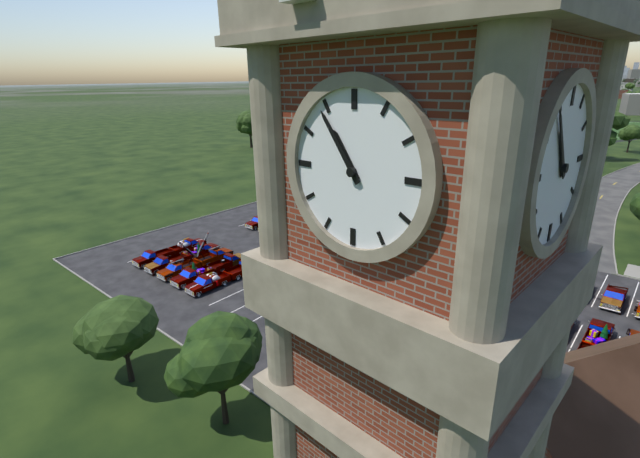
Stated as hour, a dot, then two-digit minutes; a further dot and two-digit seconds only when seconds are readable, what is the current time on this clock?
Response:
10.54
